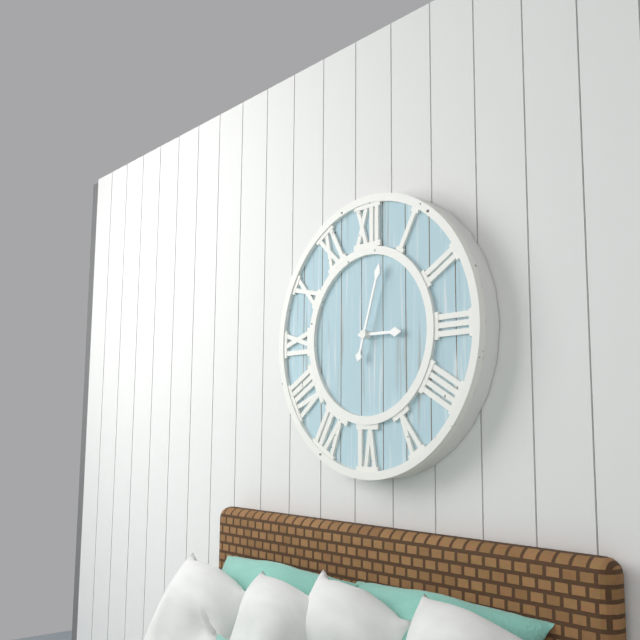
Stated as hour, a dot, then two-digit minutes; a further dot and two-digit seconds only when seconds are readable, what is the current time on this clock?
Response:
3.03
